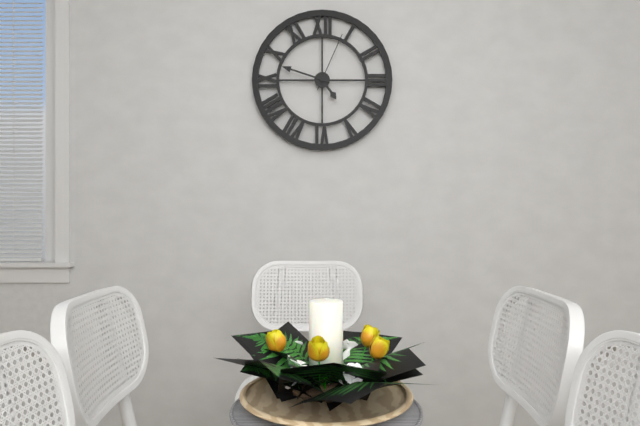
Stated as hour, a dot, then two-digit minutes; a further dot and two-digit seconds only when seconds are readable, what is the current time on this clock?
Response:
4.48.04
